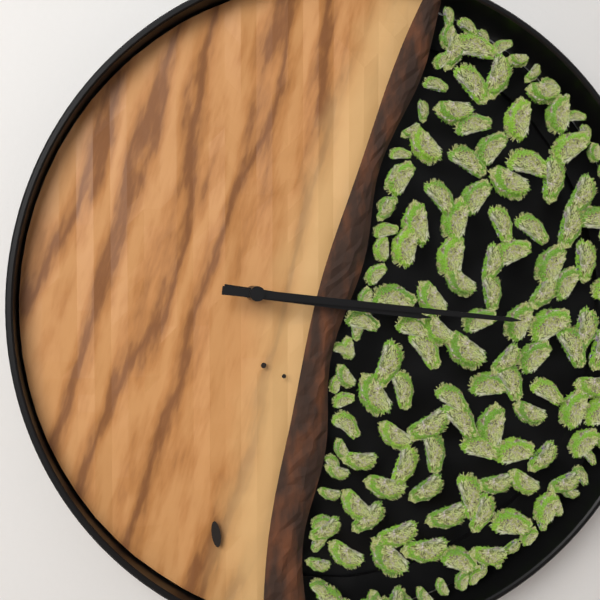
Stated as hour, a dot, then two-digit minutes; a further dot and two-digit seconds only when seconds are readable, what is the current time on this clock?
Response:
3.16
